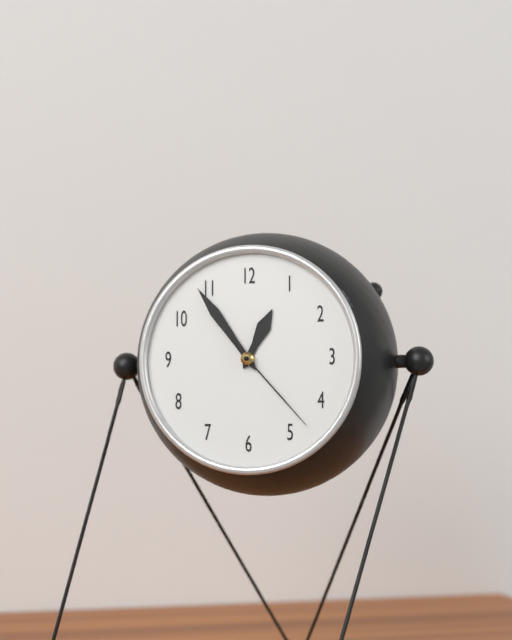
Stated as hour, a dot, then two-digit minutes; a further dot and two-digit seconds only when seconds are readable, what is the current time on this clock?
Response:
12.54.23
